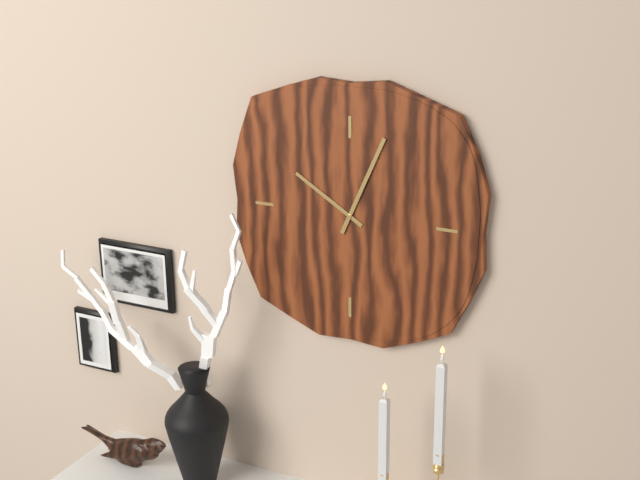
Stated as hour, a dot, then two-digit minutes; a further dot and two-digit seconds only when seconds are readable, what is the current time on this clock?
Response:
10.04
